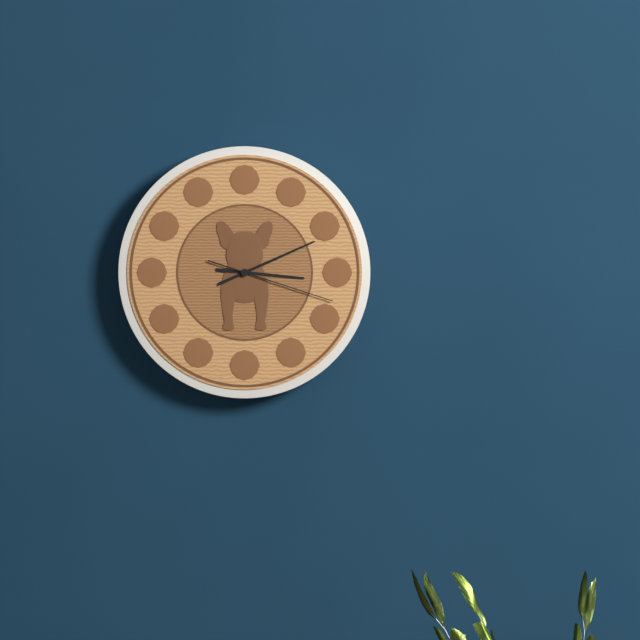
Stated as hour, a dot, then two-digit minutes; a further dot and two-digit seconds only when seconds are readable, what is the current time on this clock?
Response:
3.11.18
